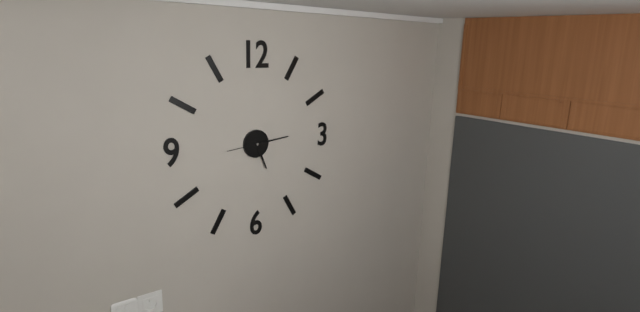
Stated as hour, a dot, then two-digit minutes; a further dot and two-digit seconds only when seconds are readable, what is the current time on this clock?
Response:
5.14
